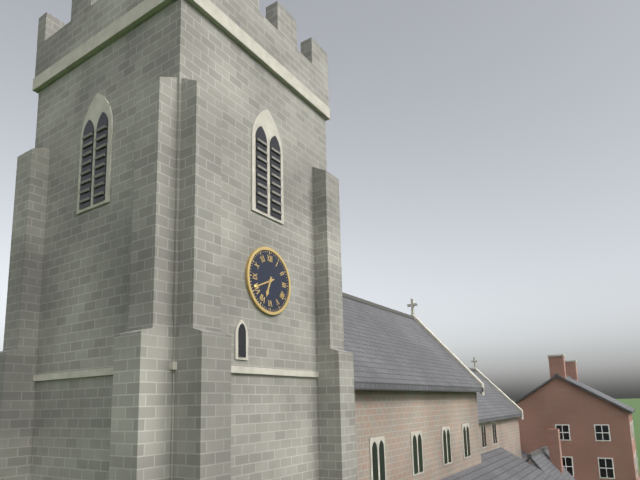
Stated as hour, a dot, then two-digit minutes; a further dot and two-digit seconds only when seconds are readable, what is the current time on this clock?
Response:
6.41
